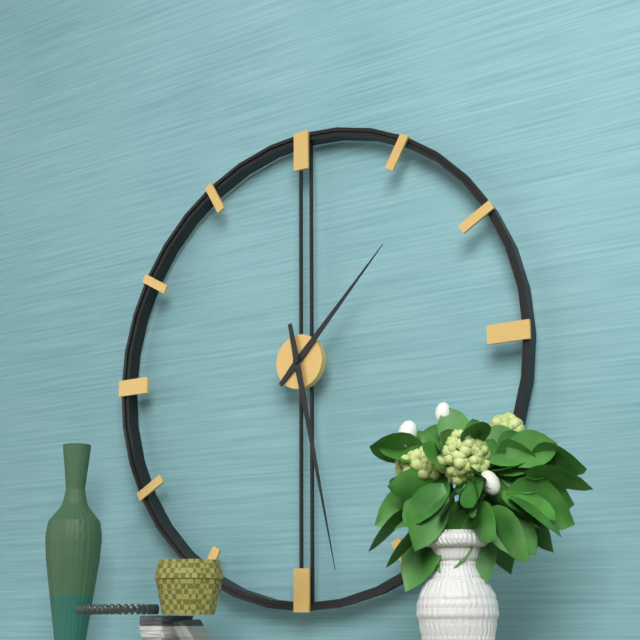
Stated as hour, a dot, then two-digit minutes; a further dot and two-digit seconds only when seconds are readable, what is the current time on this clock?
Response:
1.28
